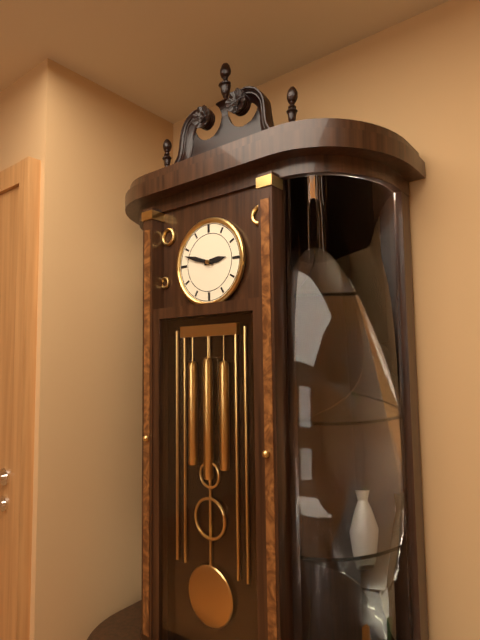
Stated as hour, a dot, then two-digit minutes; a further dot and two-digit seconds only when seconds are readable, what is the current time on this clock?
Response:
2.48
